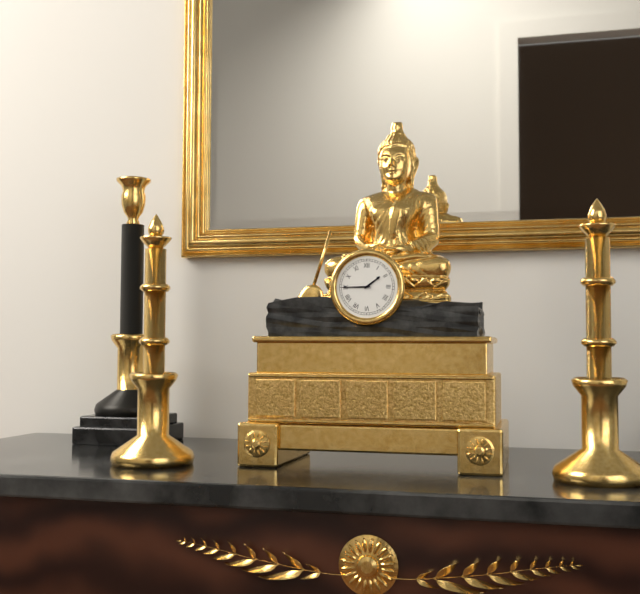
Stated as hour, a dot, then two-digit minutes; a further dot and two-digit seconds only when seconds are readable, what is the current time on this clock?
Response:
1.45
